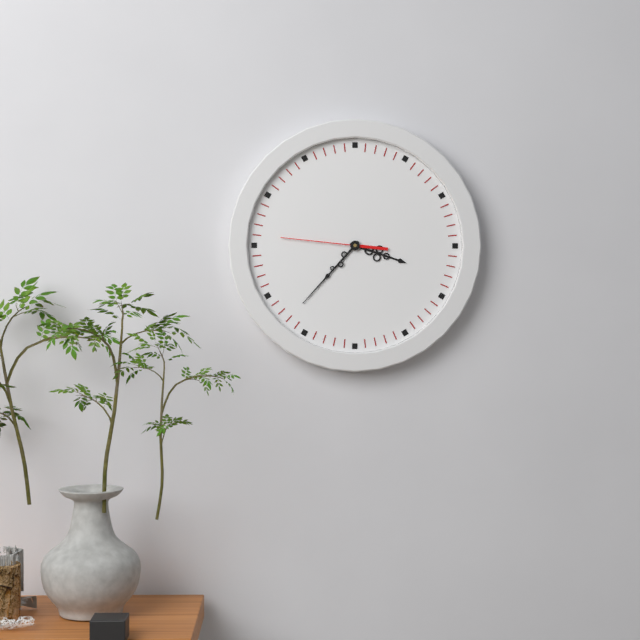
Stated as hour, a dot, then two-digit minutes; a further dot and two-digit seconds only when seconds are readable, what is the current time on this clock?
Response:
3.37.46
